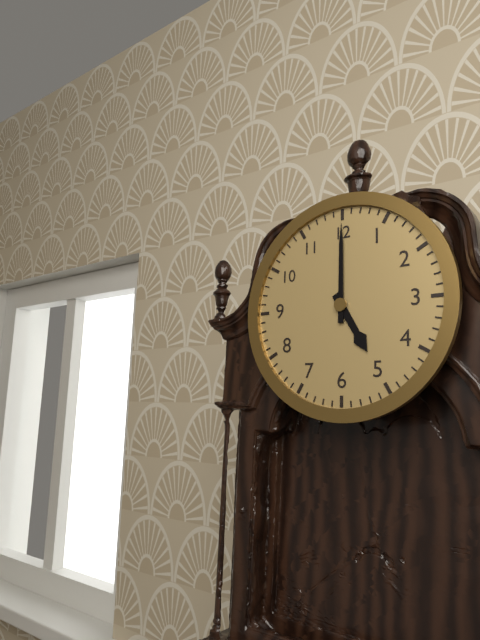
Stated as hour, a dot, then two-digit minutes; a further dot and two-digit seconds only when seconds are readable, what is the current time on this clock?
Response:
5.00
